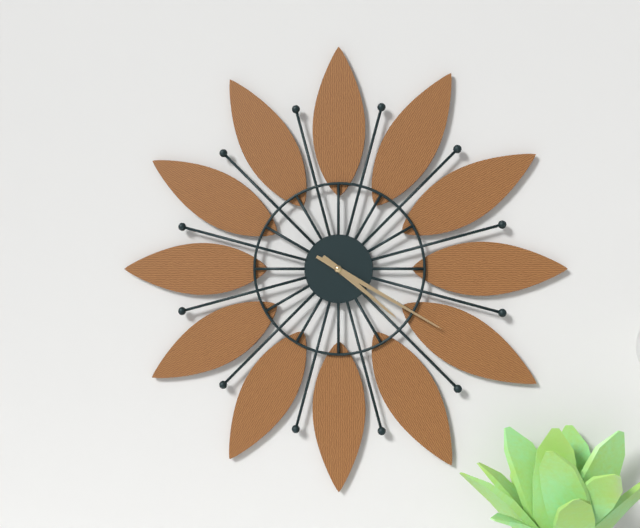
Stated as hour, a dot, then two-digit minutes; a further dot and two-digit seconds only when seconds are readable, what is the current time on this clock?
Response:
4.20
